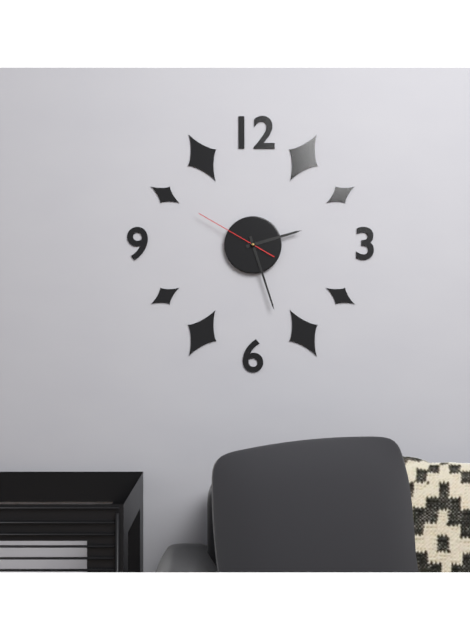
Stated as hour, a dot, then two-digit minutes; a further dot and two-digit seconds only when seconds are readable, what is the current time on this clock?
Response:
2.27.50
